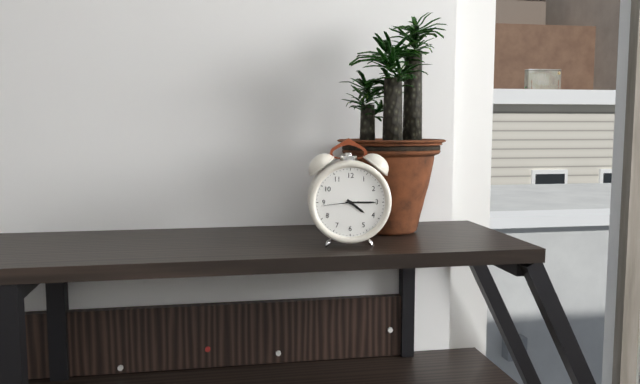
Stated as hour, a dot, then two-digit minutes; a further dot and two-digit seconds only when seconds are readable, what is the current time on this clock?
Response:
4.15
